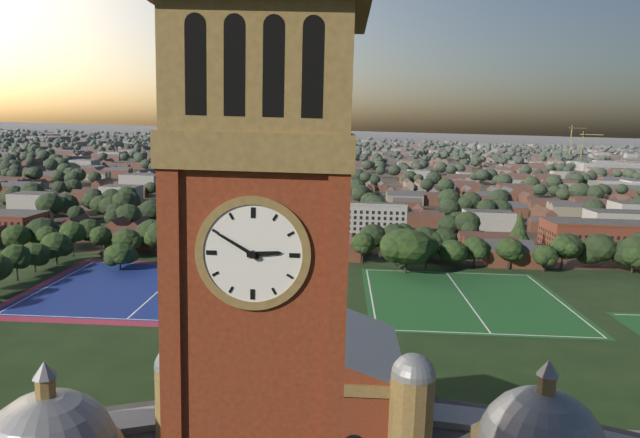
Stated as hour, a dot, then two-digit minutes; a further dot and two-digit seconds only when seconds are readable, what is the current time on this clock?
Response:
2.50
